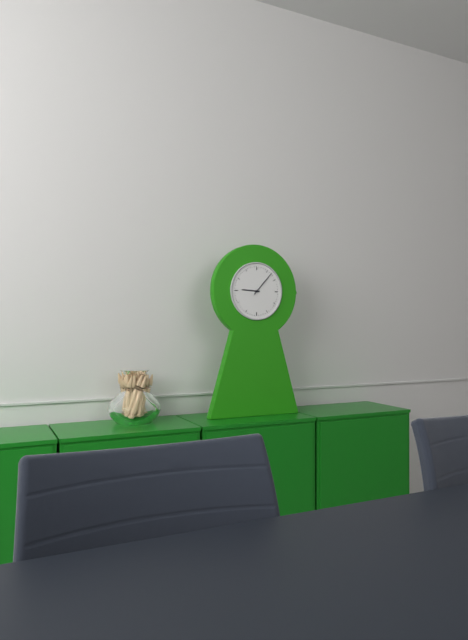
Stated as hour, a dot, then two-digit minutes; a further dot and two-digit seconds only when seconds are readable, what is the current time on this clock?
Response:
9.07
